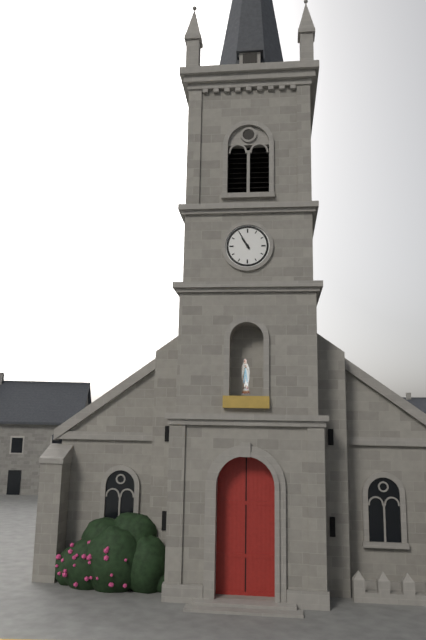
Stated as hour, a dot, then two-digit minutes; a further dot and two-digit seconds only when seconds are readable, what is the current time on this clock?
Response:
10.55
